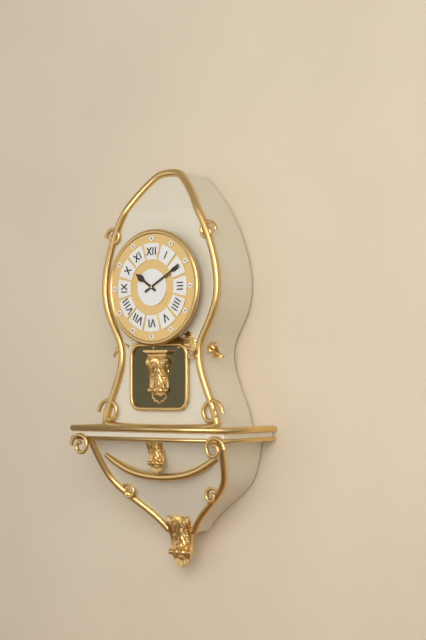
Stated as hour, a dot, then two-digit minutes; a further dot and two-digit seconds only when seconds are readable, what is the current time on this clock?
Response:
10.10
